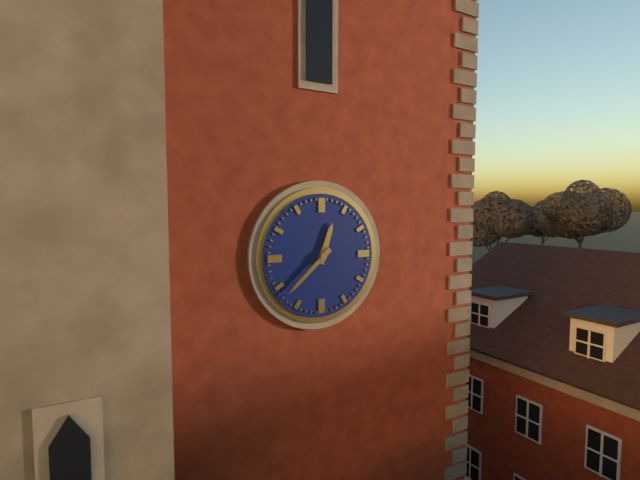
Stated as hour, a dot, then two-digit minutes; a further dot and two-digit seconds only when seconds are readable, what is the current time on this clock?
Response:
12.38
